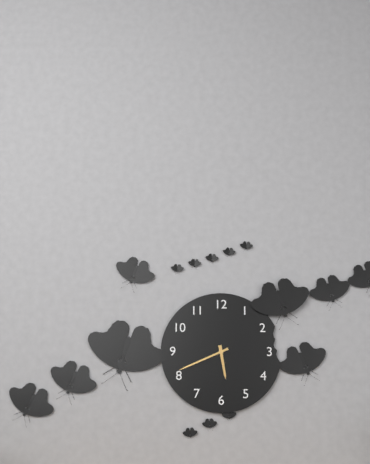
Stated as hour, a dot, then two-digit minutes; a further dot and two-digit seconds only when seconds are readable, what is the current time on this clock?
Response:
5.41
